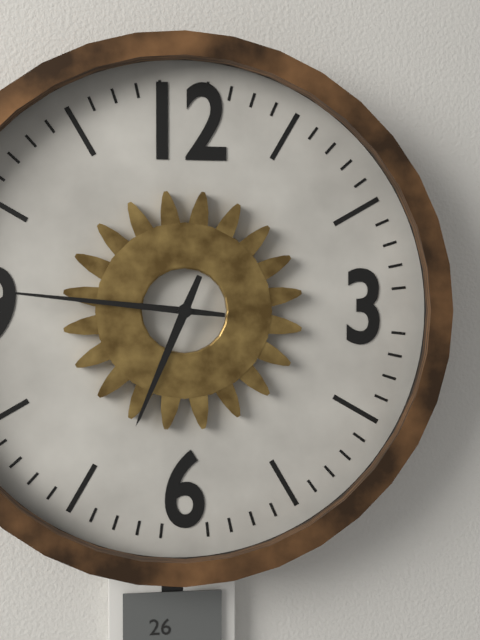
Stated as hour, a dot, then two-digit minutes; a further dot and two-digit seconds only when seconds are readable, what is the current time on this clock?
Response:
6.46
